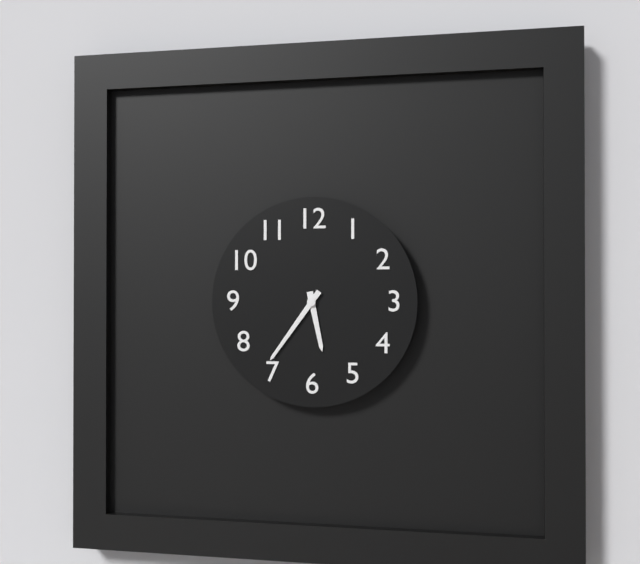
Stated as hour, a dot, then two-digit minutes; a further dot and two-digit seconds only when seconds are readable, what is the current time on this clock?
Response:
5.36
